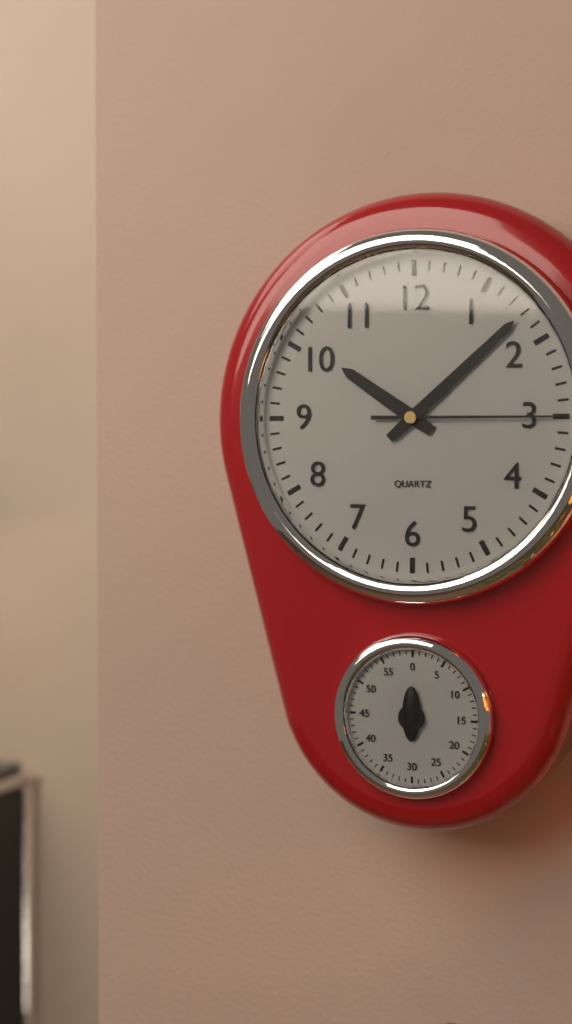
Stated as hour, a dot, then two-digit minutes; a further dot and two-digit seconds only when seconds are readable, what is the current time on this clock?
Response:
10.08.15
